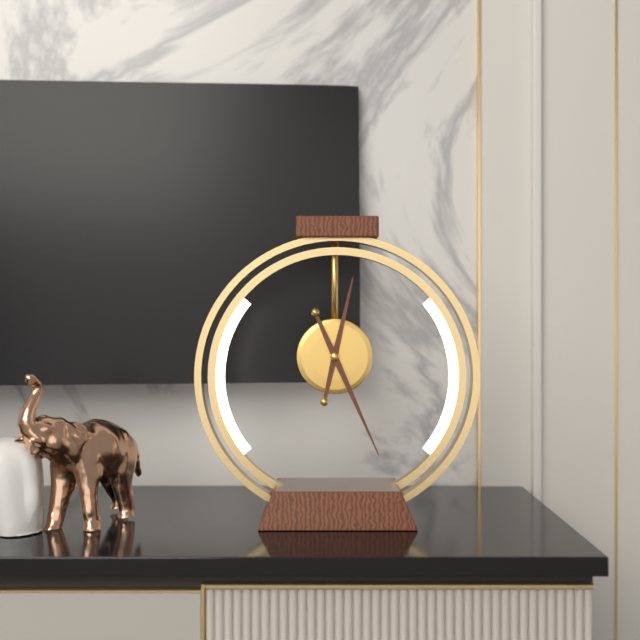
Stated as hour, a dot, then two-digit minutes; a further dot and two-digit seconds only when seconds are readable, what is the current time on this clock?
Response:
12.26
